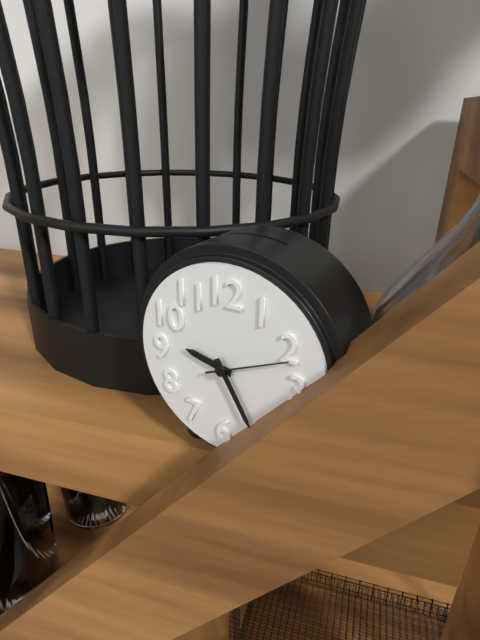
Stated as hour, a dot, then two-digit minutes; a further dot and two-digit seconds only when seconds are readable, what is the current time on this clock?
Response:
9.25.11
